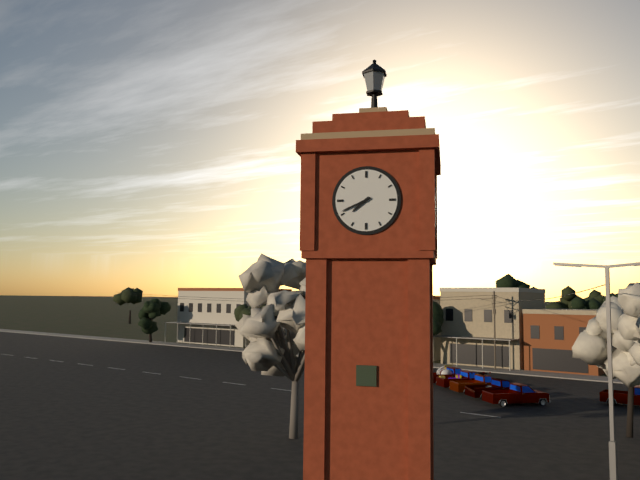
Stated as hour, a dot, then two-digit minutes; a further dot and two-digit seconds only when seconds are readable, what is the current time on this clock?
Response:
7.41
